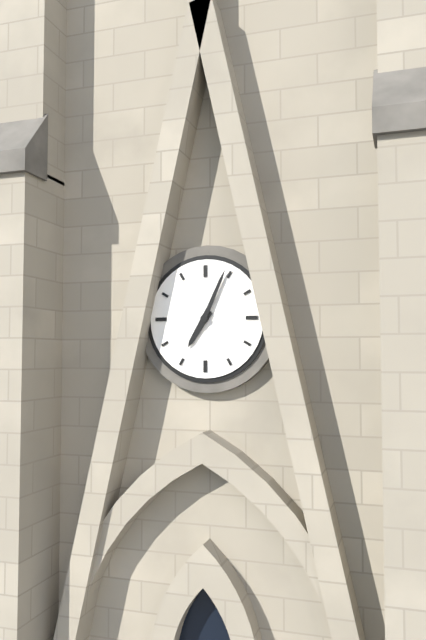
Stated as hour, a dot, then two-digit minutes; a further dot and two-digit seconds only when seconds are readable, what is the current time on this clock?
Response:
7.04
